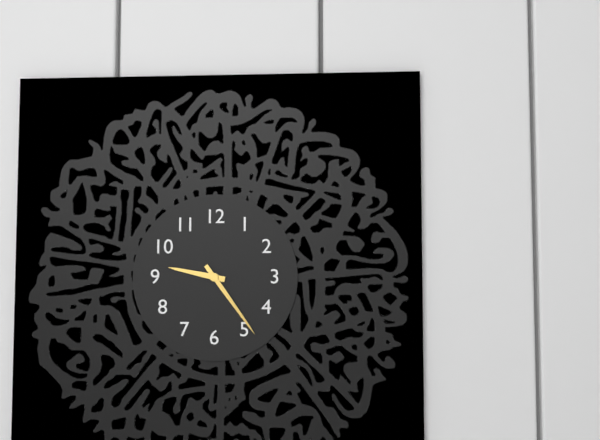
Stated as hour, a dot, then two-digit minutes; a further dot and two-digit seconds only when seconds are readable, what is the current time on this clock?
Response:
9.24
